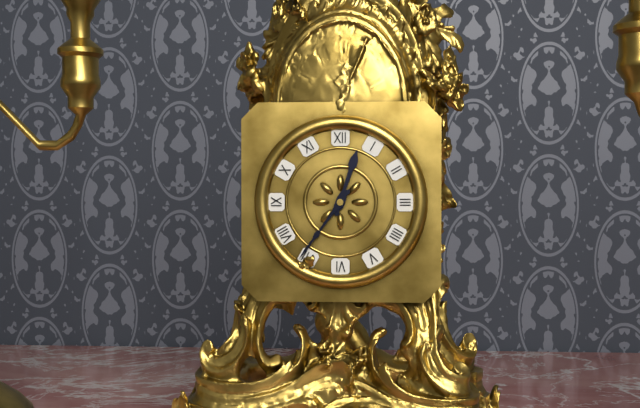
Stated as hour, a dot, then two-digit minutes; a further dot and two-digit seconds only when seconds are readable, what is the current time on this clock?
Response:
12.36
